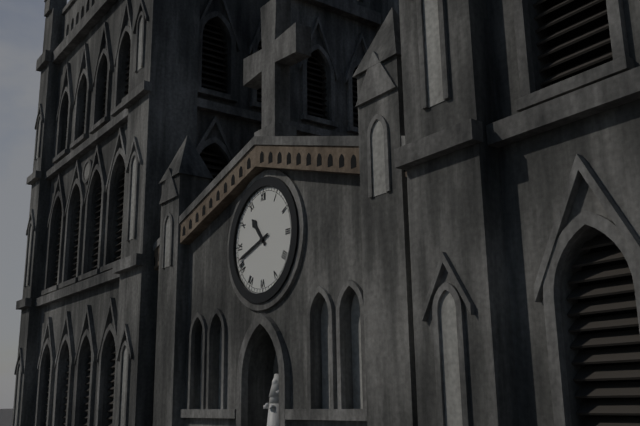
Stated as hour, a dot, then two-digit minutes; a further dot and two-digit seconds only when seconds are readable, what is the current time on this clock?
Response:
10.42
